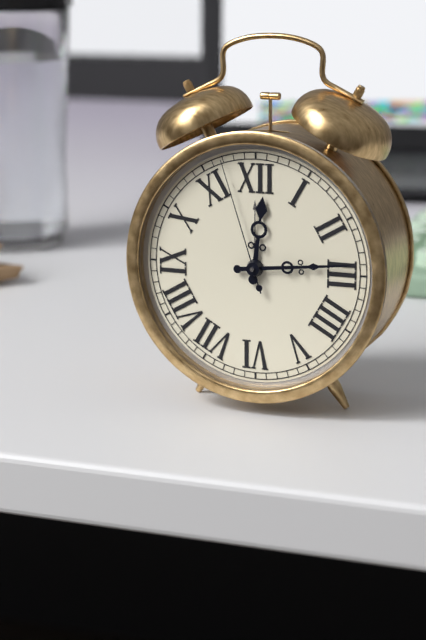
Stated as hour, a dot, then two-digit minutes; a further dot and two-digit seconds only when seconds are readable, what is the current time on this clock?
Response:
12.14.57
